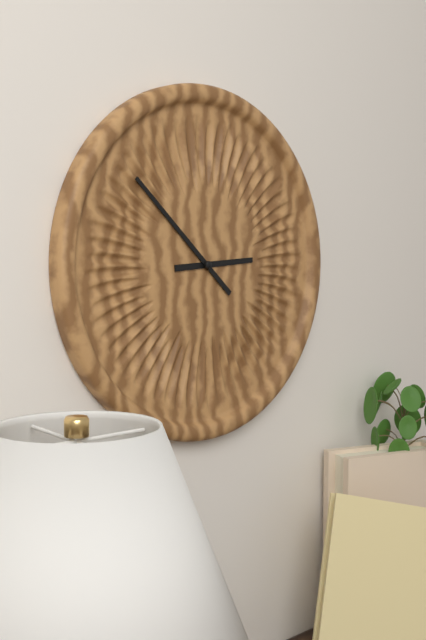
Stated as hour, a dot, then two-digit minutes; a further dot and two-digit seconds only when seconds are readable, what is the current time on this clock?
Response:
2.52
